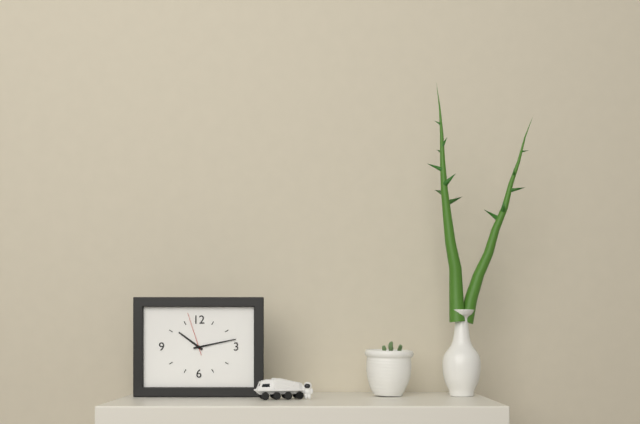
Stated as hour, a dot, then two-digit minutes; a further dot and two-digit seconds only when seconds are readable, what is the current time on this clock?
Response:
10.13
